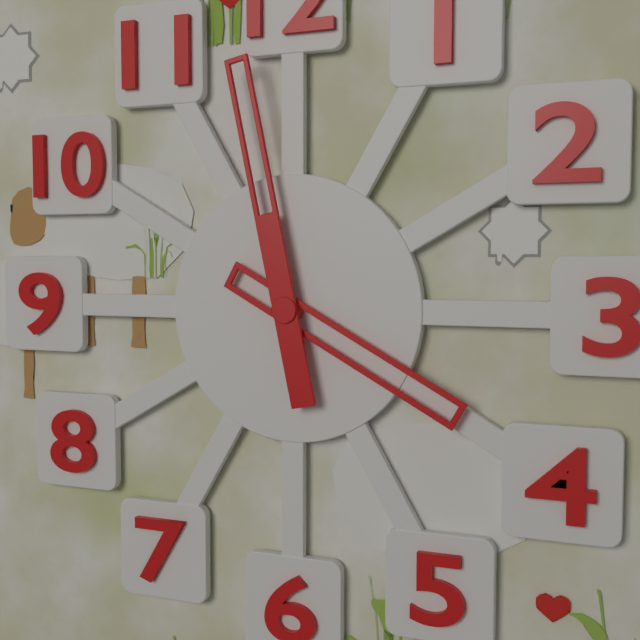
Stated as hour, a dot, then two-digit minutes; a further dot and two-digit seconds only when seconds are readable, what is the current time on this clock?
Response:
3.58
